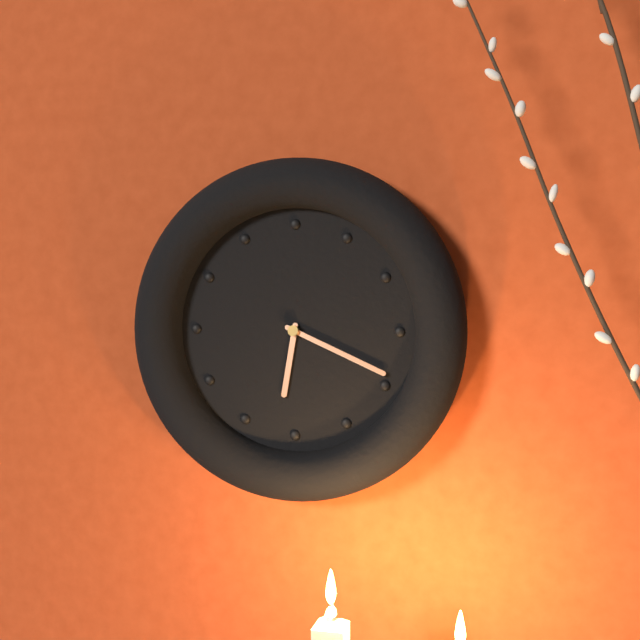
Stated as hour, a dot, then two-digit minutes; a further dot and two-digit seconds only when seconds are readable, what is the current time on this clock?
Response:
6.19
